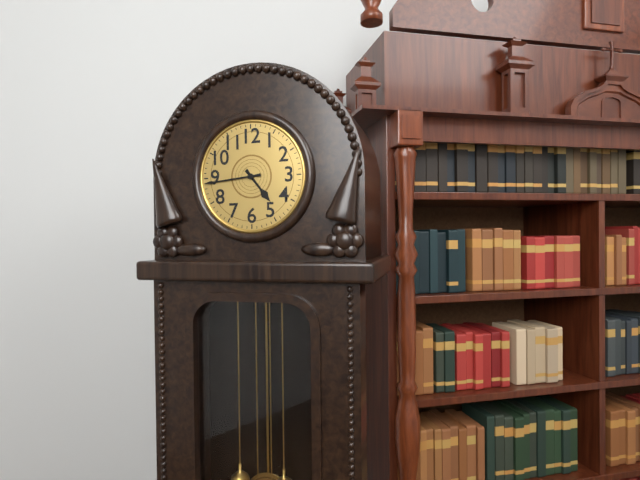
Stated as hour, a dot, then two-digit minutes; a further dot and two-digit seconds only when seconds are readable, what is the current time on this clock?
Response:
4.44
